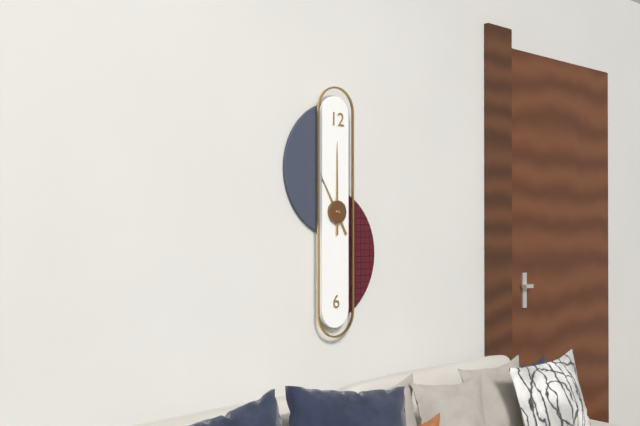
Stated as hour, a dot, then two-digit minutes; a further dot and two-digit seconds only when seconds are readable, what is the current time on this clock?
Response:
11.00
